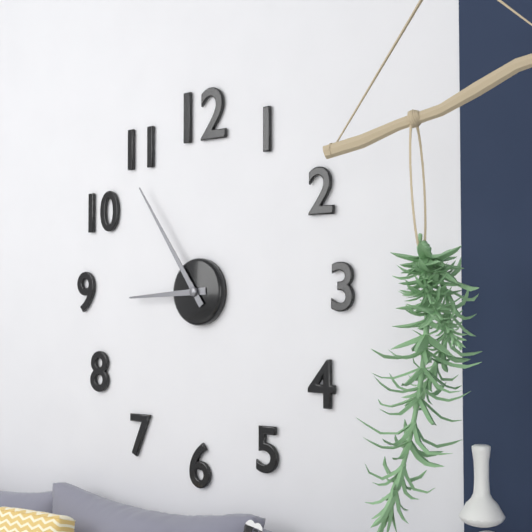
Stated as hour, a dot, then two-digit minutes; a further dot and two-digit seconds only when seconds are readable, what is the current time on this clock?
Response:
8.54
